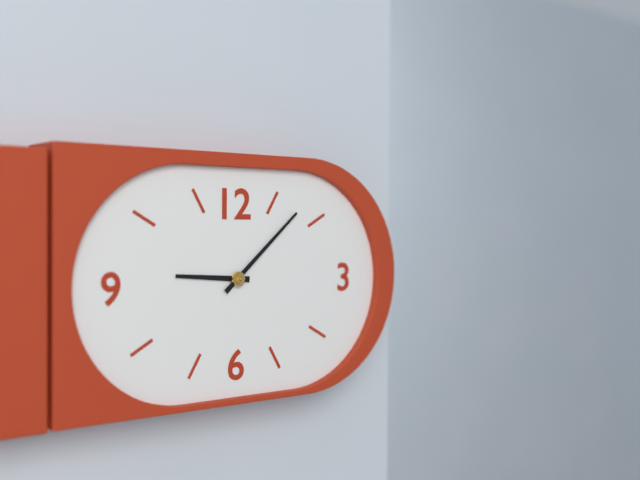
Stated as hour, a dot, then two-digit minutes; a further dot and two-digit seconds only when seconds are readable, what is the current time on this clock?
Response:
9.08
